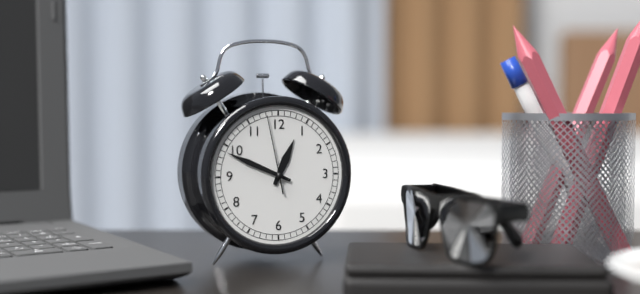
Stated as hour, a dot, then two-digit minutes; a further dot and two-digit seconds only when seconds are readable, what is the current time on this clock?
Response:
12.49.58
